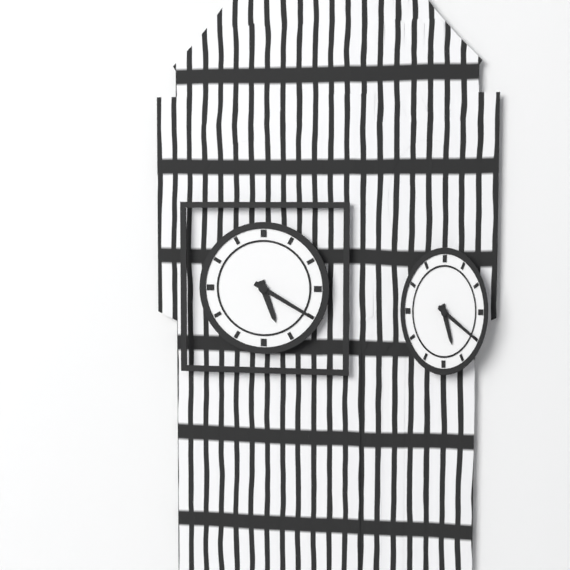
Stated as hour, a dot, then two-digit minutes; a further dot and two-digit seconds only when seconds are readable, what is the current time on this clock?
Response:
5.20
